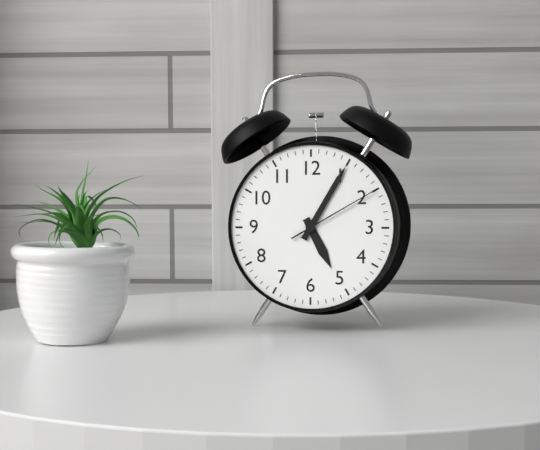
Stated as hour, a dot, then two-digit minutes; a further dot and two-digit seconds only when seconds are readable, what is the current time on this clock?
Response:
5.05.10
